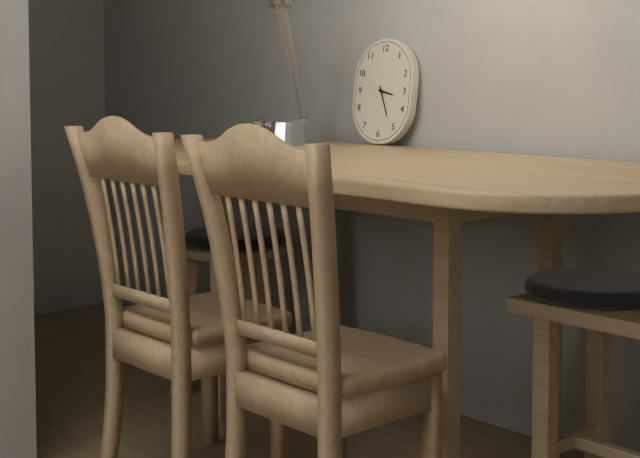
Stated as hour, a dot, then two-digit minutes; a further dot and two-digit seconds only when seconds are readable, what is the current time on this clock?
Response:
3.26
